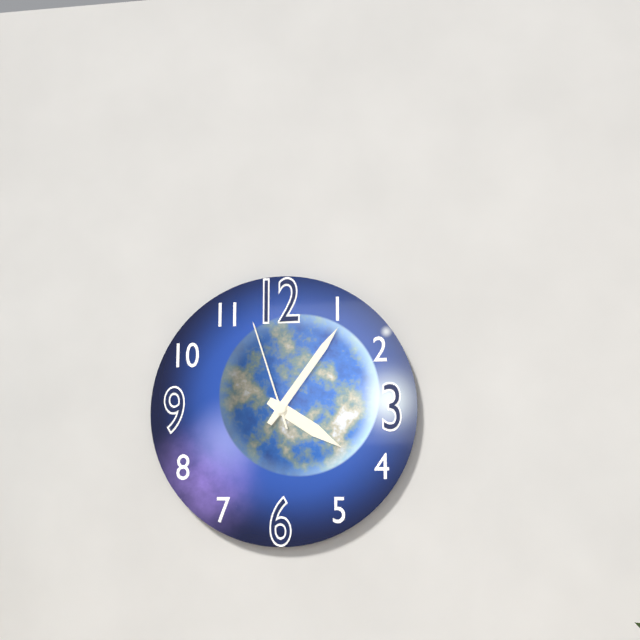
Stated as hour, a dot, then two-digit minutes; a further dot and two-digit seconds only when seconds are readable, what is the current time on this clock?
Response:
4.06.57
